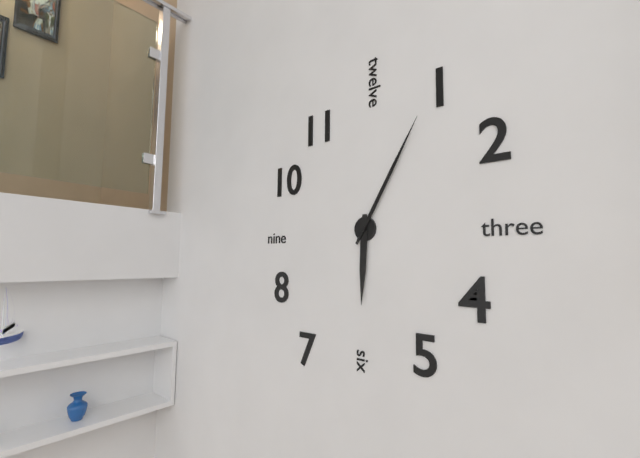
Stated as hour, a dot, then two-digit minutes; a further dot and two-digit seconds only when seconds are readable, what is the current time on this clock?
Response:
6.05
